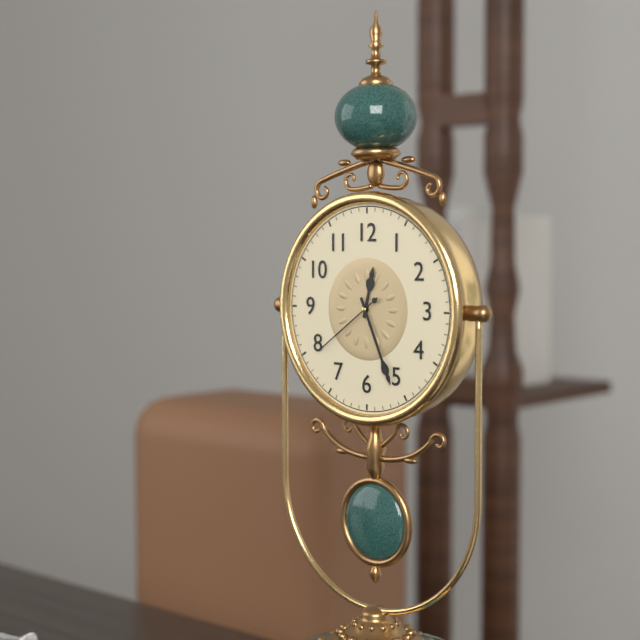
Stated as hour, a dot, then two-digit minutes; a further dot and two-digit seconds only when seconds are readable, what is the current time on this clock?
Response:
12.26.39
